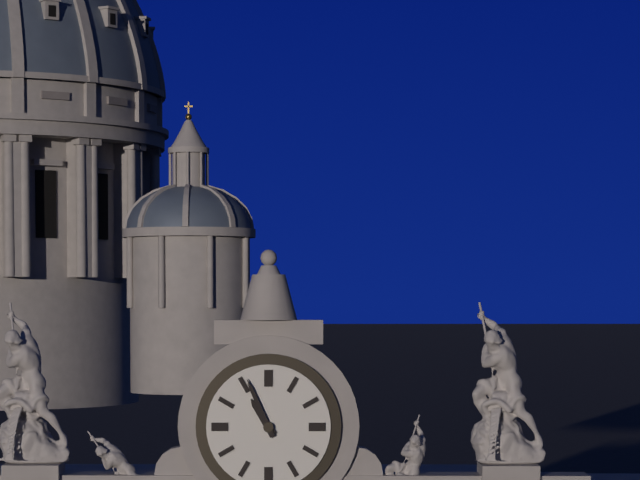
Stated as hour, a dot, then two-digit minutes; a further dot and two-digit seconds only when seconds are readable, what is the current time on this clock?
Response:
10.56
